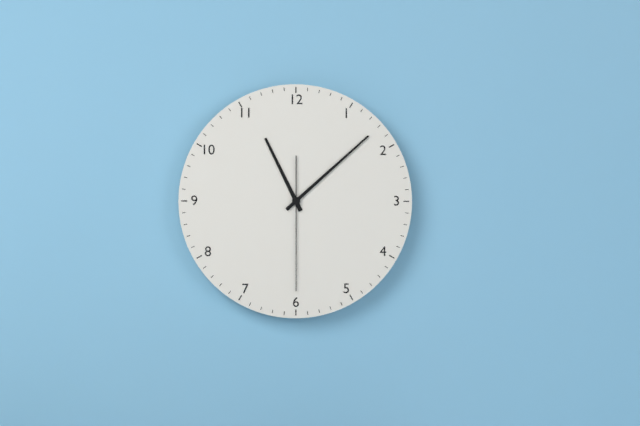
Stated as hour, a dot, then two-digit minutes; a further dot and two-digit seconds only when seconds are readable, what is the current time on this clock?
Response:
11.08.30
